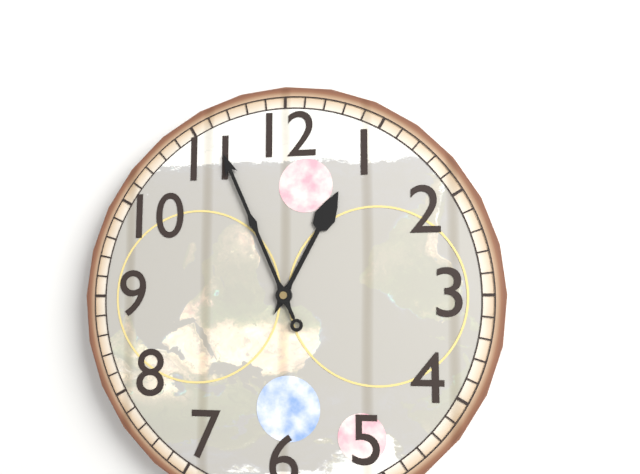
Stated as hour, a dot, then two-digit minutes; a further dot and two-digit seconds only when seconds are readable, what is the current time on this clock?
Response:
12.56
